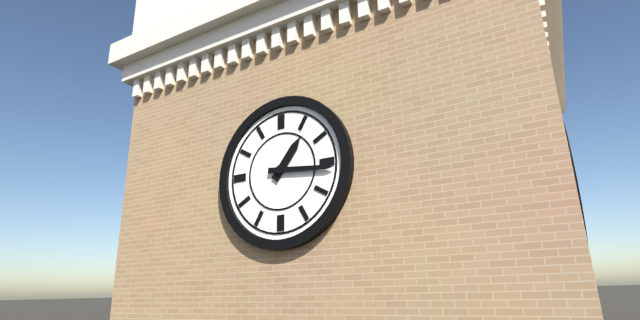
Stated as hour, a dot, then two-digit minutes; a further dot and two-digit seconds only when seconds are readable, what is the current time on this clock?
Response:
1.16
